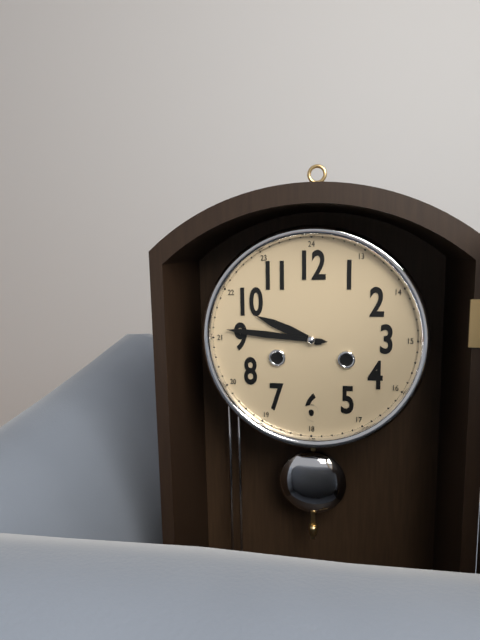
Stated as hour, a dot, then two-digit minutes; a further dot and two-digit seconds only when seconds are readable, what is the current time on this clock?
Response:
9.46
